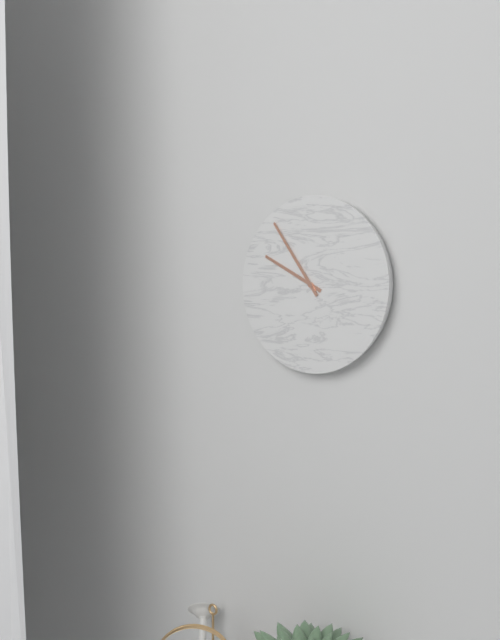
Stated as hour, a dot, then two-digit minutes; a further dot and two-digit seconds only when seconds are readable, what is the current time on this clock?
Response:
9.54
